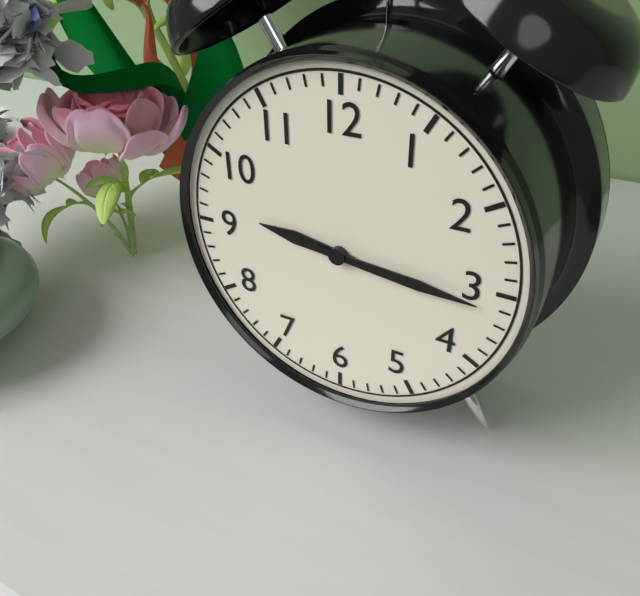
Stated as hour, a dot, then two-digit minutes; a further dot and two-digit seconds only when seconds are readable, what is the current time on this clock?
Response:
9.16
